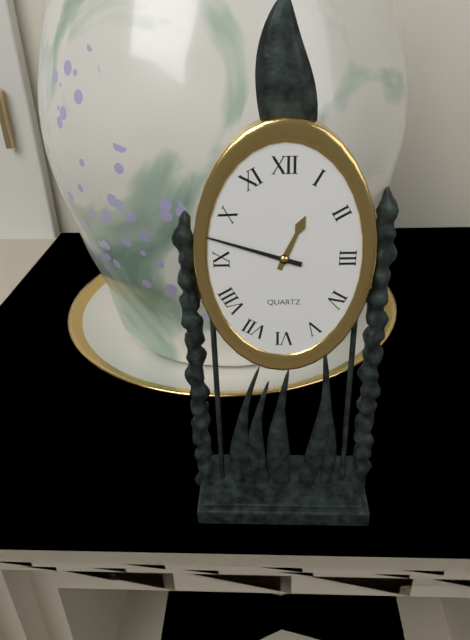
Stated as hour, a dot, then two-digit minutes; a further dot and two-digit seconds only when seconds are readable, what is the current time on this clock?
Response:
12.48
